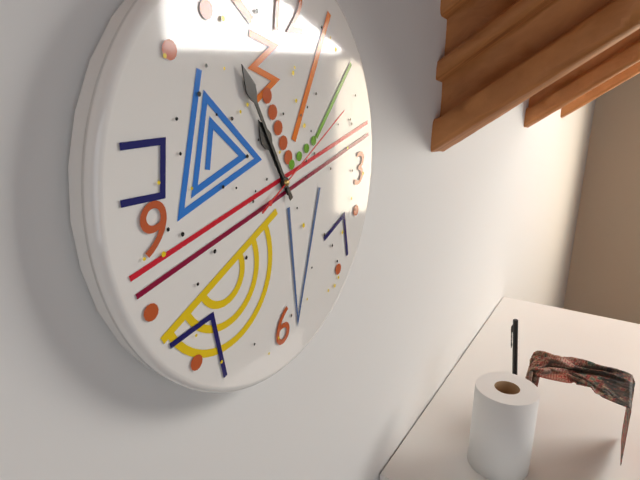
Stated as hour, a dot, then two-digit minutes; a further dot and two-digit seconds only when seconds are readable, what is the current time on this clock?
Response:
10.55.10
